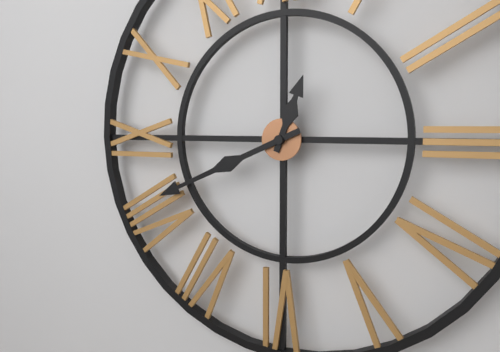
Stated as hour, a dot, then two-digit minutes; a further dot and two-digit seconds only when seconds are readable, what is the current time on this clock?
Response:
12.41
